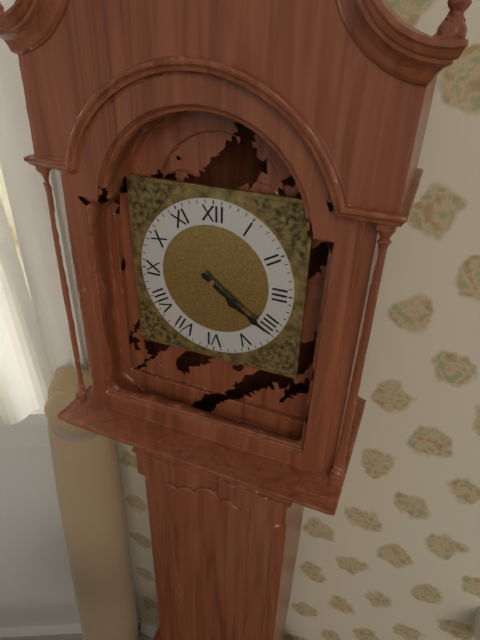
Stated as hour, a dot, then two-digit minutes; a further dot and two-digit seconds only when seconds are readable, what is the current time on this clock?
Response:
4.21
